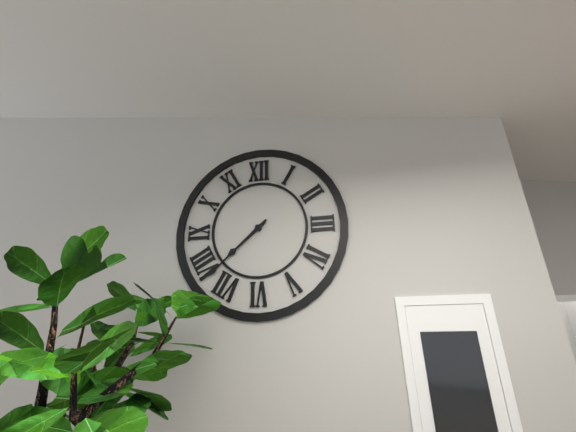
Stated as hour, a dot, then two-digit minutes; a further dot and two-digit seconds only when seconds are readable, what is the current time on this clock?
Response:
7.38
